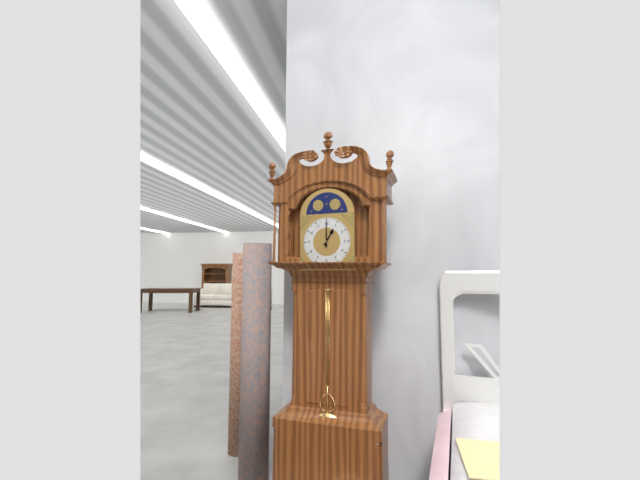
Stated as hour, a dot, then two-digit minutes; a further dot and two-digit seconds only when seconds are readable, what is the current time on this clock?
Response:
1.00
